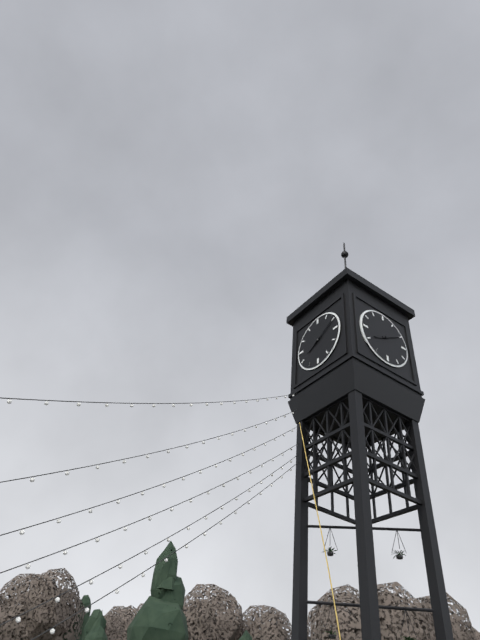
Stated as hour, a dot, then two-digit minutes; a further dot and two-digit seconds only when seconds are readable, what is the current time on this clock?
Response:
8.10
